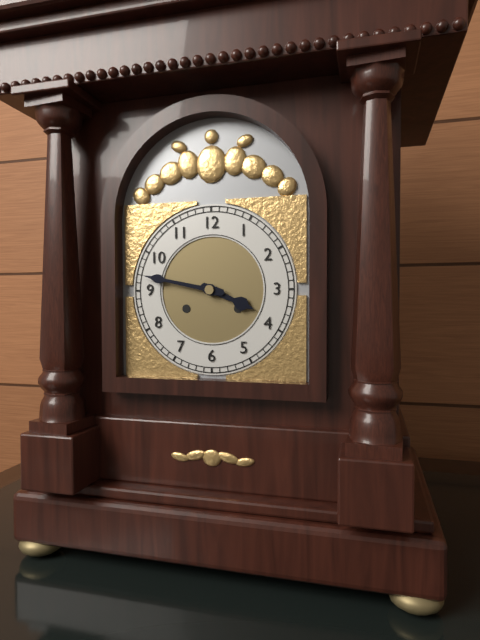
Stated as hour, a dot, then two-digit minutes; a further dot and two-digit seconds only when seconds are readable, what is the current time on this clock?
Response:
3.47
